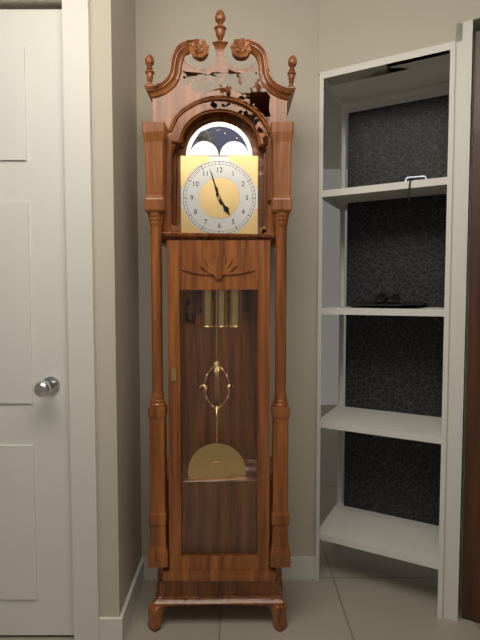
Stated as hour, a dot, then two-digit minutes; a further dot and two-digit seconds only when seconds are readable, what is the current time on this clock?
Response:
4.57
